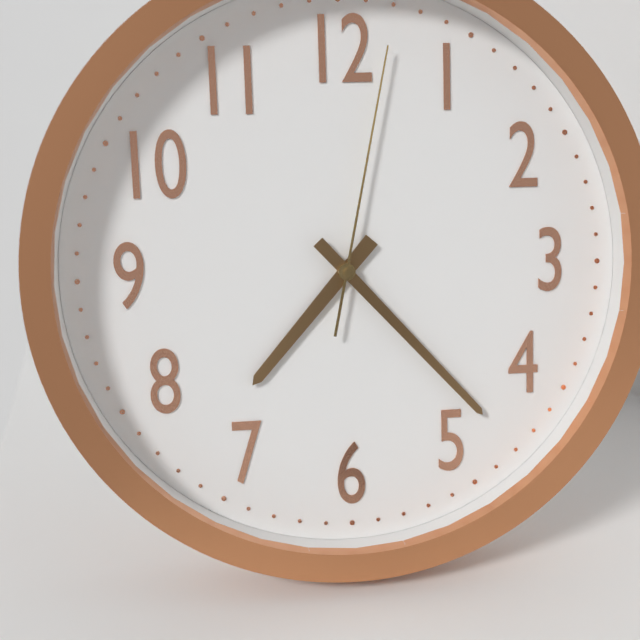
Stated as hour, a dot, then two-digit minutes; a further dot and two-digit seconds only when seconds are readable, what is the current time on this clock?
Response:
7.23.02
